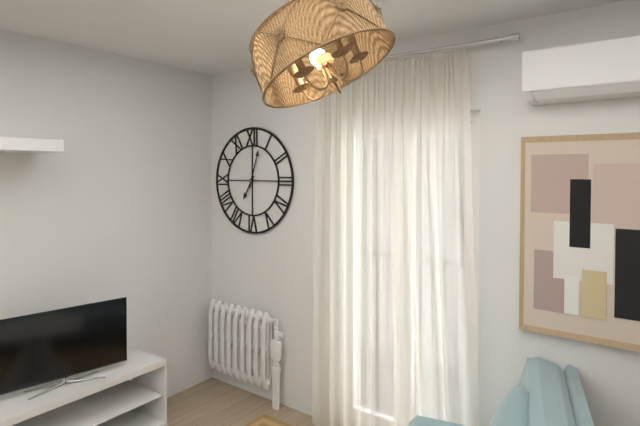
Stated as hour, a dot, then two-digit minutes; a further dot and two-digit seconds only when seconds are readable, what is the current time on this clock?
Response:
7.03
